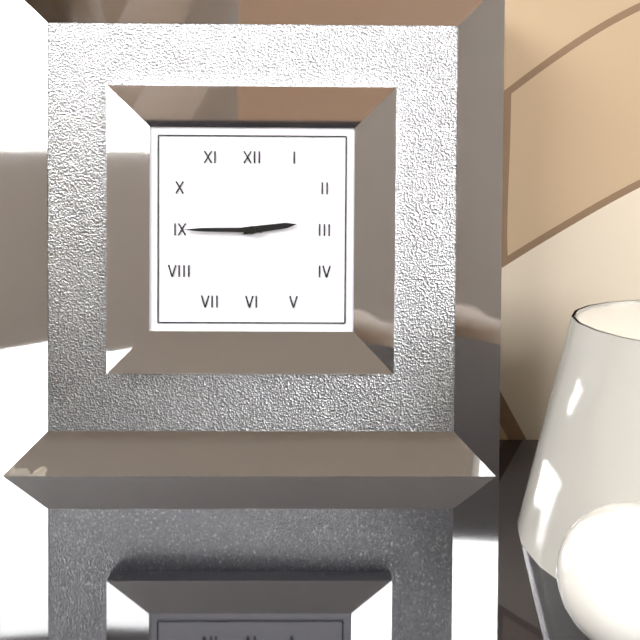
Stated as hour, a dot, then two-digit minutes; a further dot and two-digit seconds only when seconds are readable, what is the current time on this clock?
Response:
2.45
